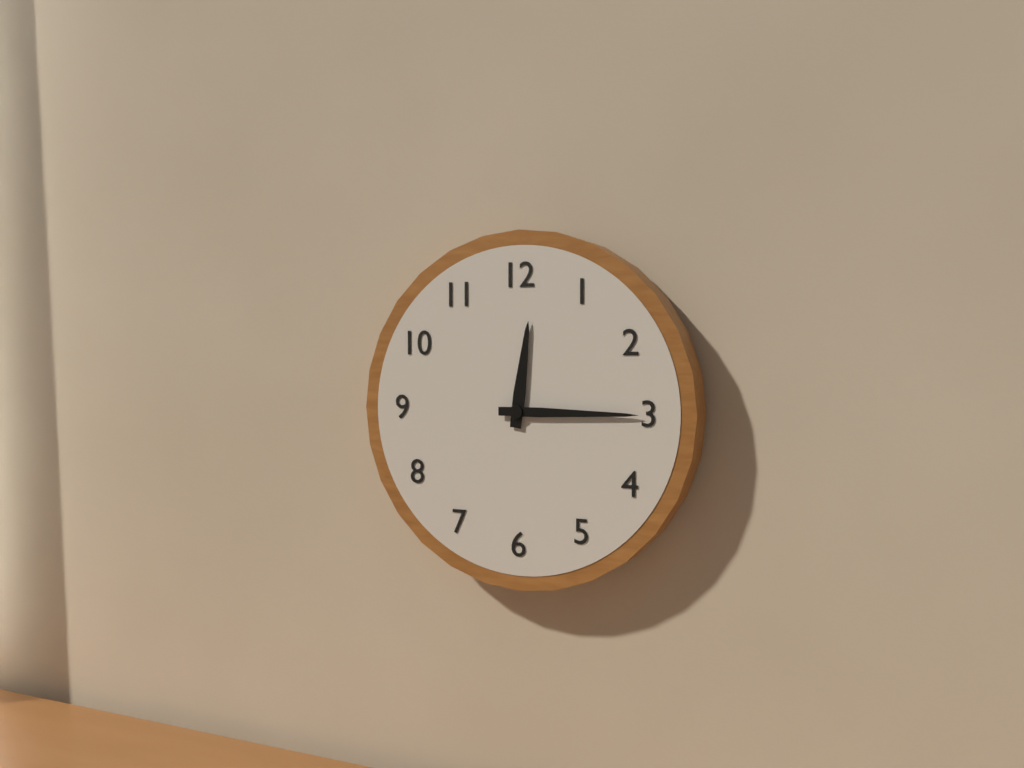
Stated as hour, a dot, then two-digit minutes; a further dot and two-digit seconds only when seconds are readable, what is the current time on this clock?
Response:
12.15
